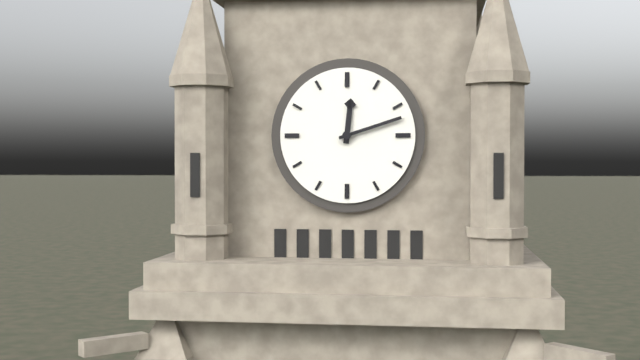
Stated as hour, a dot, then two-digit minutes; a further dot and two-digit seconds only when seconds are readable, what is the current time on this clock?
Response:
12.12
